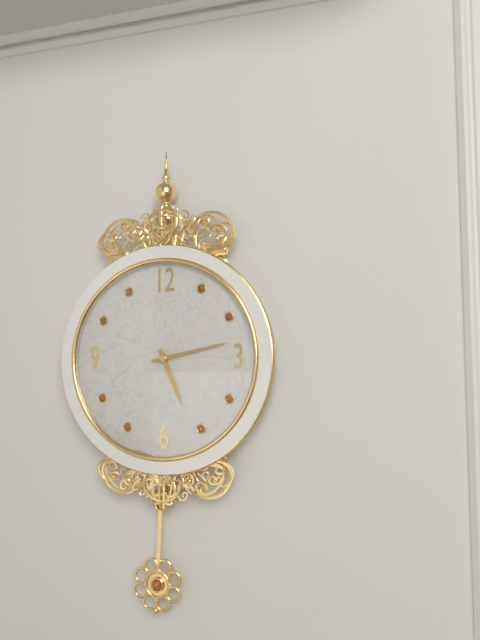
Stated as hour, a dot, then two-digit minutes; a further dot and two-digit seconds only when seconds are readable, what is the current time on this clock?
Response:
5.13
